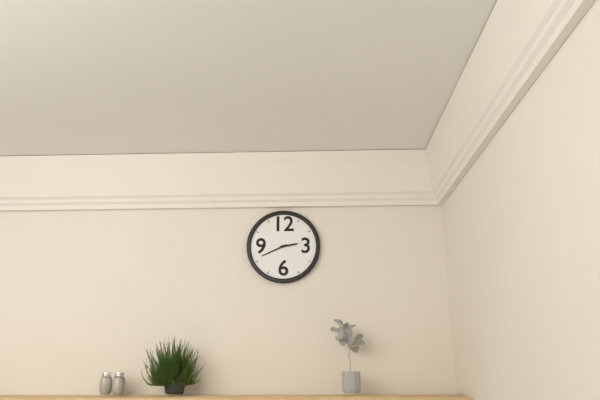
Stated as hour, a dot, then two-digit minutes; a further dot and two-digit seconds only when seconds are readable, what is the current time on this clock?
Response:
2.41
